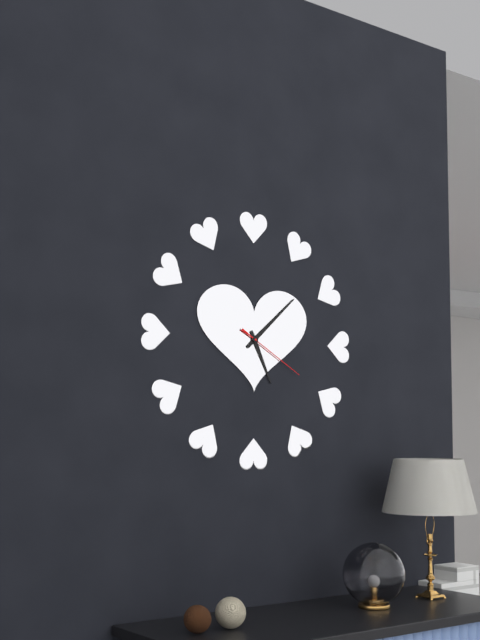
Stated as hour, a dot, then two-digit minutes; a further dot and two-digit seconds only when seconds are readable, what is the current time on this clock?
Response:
5.08.20
